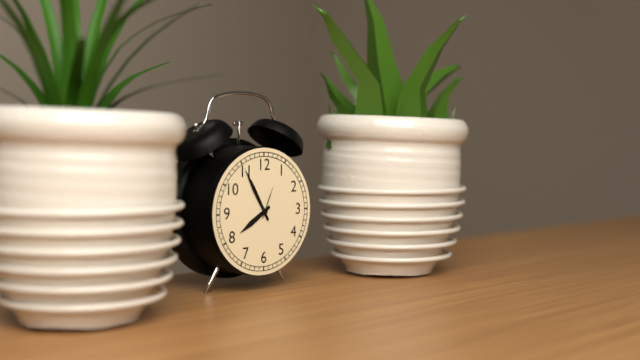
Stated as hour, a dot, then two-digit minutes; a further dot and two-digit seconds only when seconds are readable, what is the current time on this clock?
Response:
7.55
